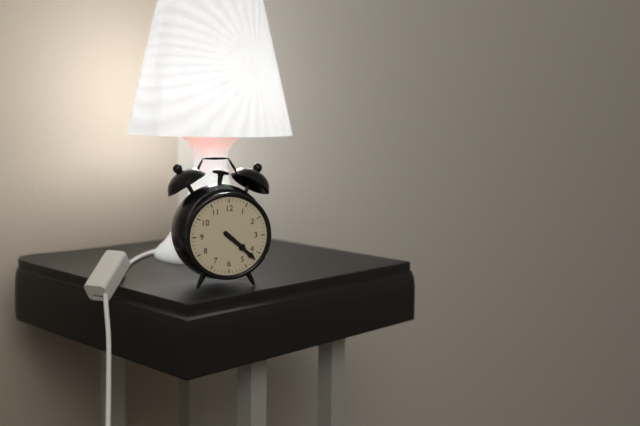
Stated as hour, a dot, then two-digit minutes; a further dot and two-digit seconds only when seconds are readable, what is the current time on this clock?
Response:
4.22
